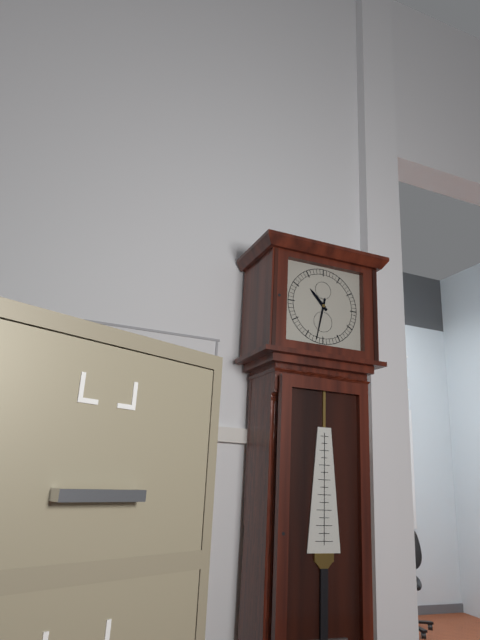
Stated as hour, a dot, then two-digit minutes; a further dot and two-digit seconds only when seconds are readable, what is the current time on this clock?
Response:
10.32
